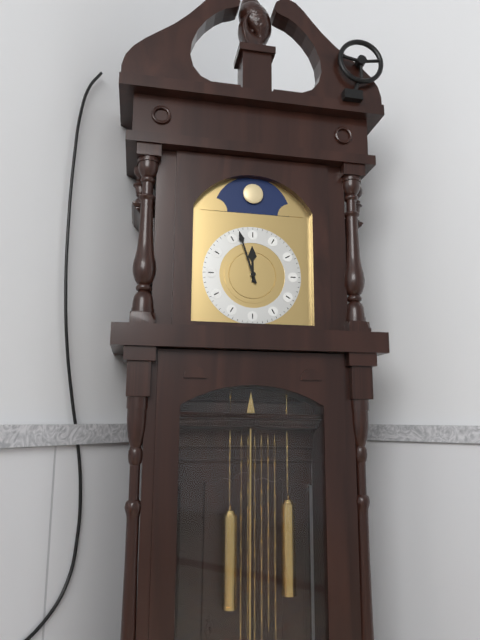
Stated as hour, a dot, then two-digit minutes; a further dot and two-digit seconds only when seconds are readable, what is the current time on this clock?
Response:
11.57
